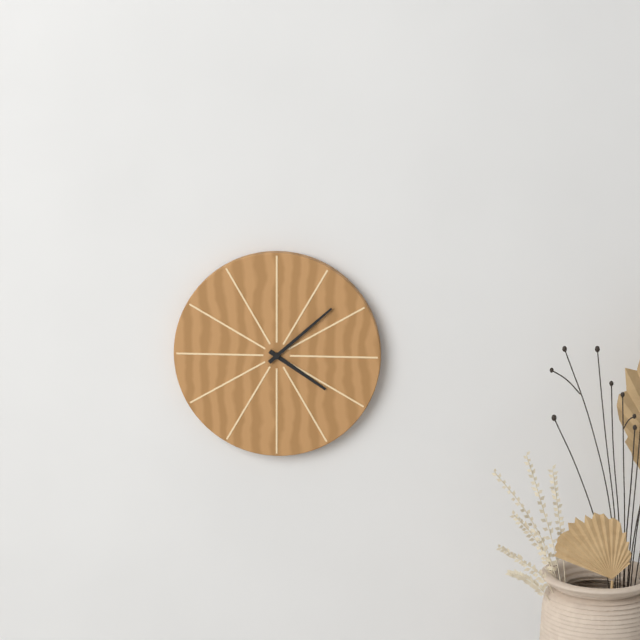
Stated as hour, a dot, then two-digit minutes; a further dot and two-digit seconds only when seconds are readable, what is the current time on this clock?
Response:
4.08
